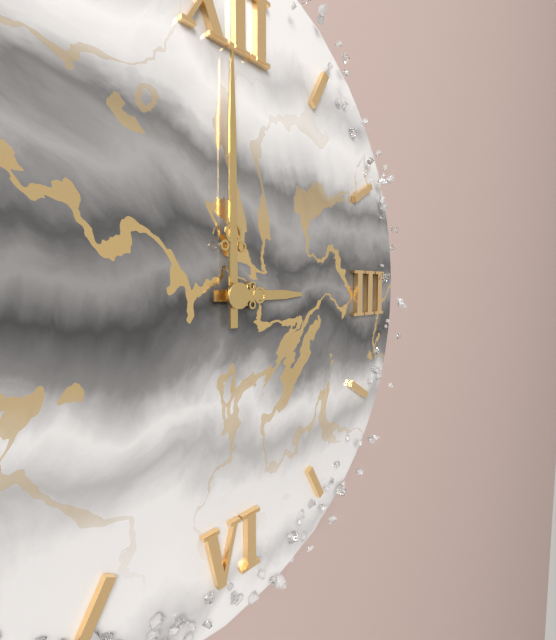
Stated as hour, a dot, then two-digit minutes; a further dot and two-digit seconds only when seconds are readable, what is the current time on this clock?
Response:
3.00
